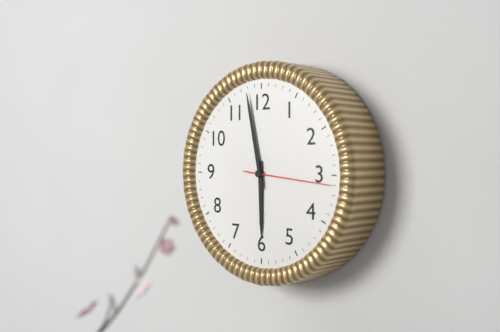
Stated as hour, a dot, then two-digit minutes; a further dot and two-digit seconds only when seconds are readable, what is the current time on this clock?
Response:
5.58.16
